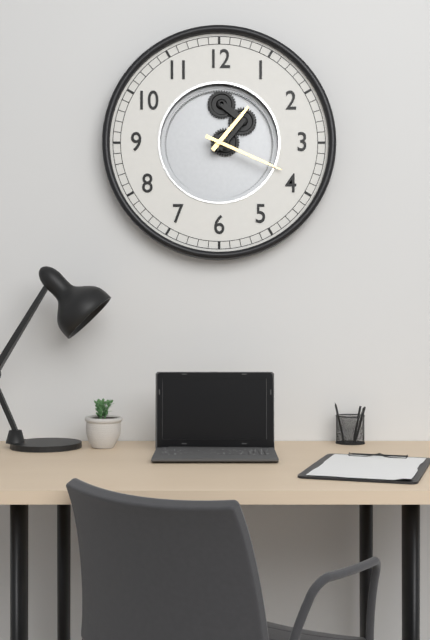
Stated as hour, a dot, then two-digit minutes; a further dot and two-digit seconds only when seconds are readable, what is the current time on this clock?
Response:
1.19
